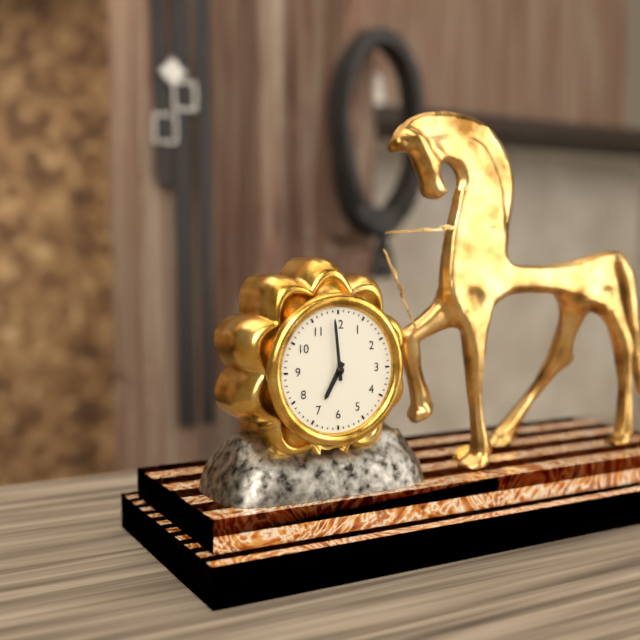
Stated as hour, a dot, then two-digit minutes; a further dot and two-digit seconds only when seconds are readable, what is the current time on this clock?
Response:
6.59
